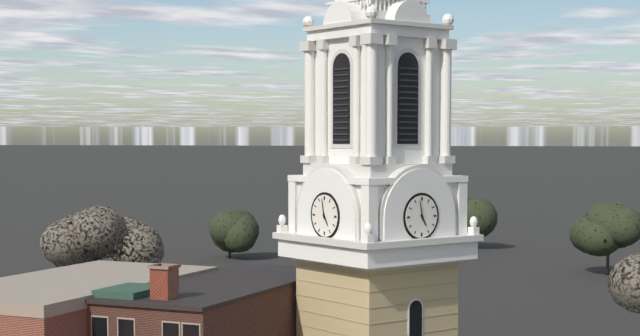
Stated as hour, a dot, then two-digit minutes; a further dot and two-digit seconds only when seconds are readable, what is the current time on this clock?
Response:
4.58
